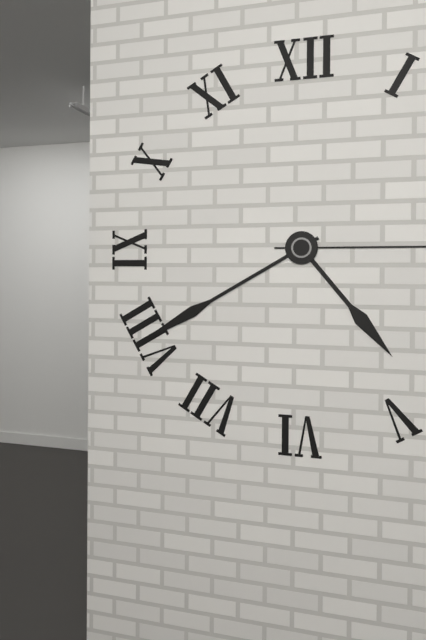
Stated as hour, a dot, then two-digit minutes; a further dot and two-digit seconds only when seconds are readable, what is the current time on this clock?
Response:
4.40
